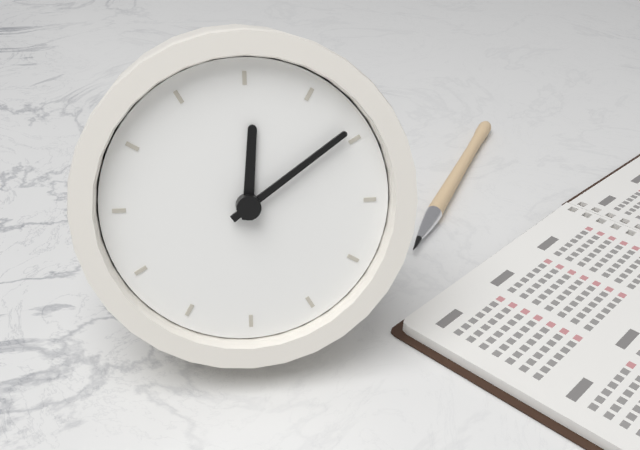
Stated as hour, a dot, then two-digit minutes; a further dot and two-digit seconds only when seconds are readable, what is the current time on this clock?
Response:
12.09
